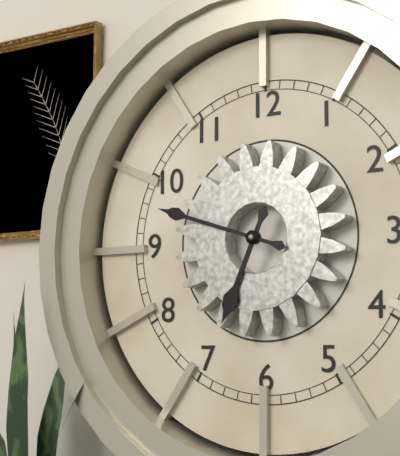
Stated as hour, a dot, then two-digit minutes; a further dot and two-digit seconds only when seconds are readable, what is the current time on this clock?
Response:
6.48
